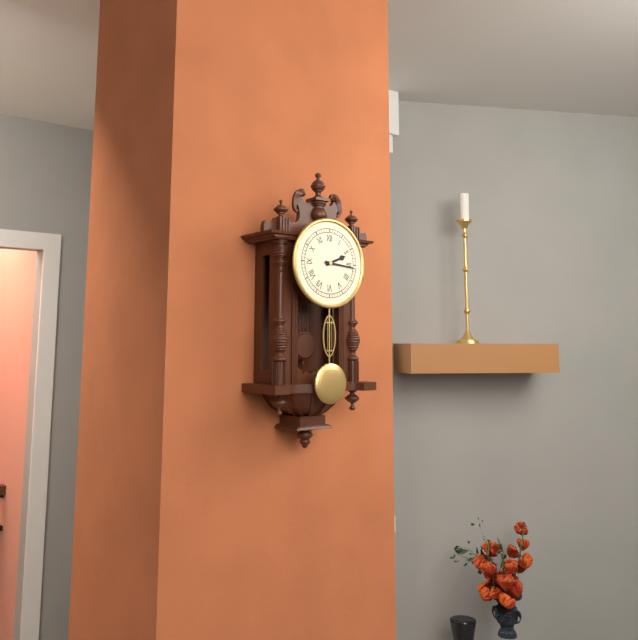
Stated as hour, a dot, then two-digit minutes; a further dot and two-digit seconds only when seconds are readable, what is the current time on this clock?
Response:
2.16
